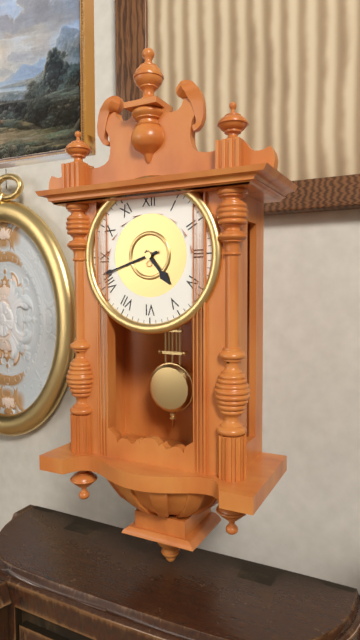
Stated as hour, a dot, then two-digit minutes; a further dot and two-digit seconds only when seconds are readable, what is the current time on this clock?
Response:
4.42
